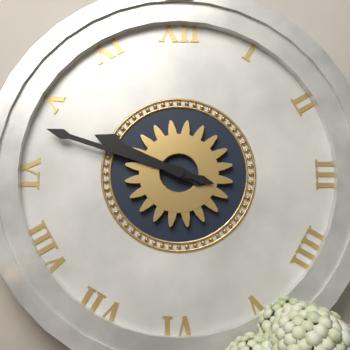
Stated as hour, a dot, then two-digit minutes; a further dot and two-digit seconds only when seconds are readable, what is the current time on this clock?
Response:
9.48
